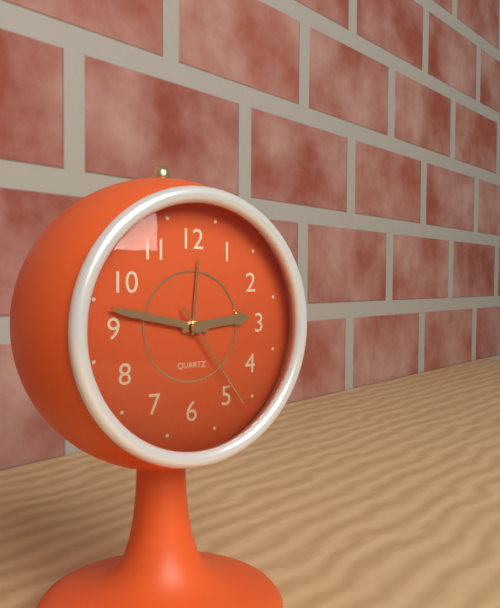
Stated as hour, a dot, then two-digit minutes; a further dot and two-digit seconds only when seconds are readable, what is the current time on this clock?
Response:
2.47.24
